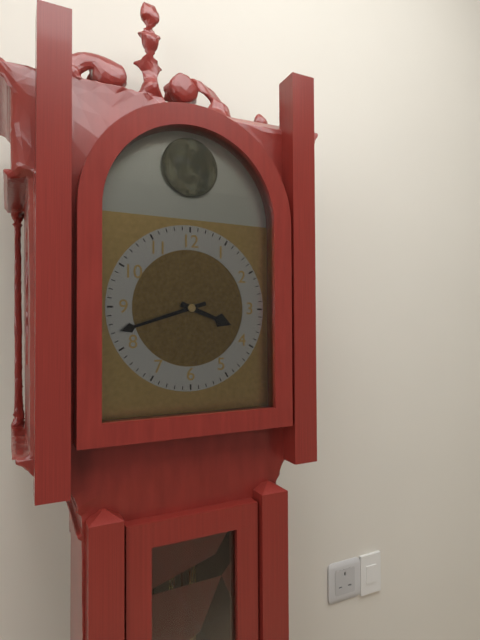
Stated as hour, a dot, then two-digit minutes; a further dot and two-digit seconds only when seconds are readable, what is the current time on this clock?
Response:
3.42
